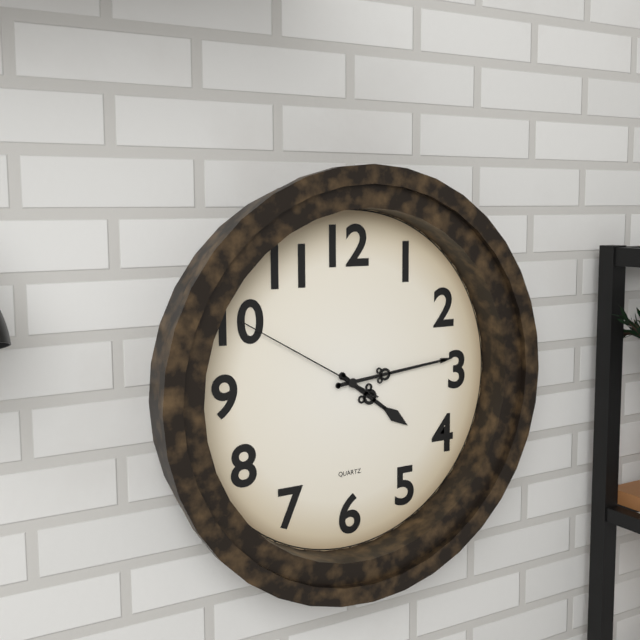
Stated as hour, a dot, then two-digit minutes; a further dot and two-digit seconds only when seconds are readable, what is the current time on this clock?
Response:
4.14.50
